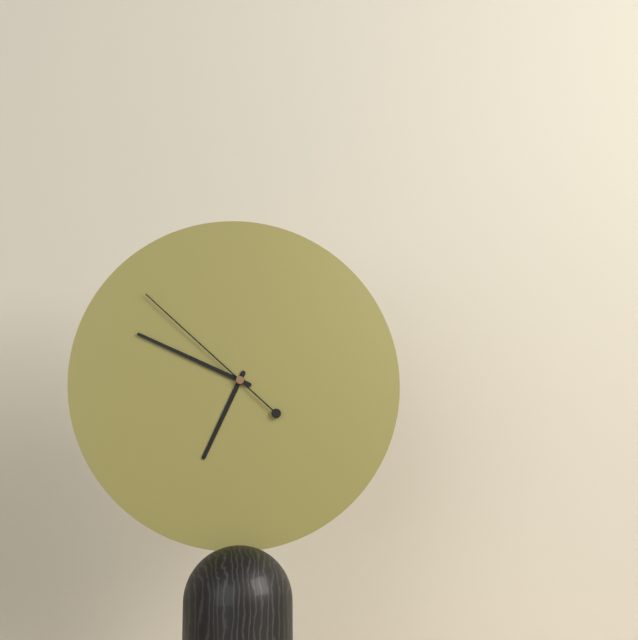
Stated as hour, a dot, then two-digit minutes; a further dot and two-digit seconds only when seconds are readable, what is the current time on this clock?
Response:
6.49.52
